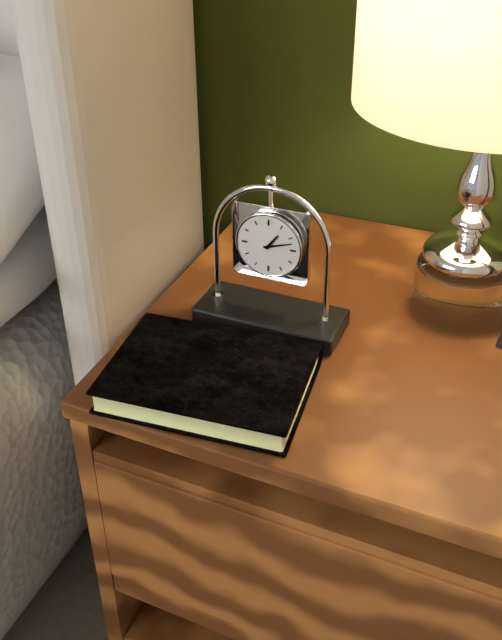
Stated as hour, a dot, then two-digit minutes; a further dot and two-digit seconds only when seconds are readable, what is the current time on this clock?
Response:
1.12
